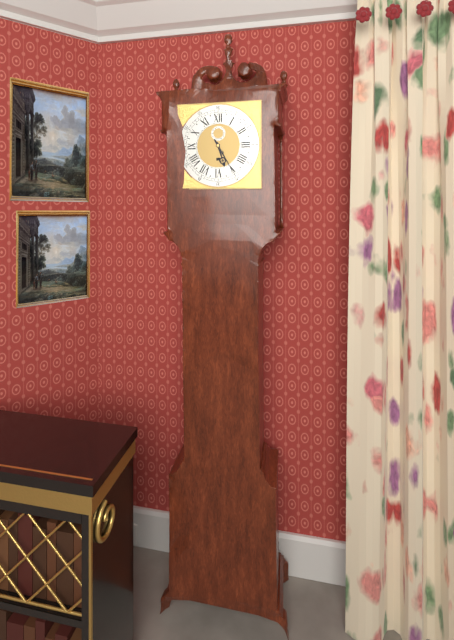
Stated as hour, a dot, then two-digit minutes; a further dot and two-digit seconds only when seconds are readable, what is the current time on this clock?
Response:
5.25
